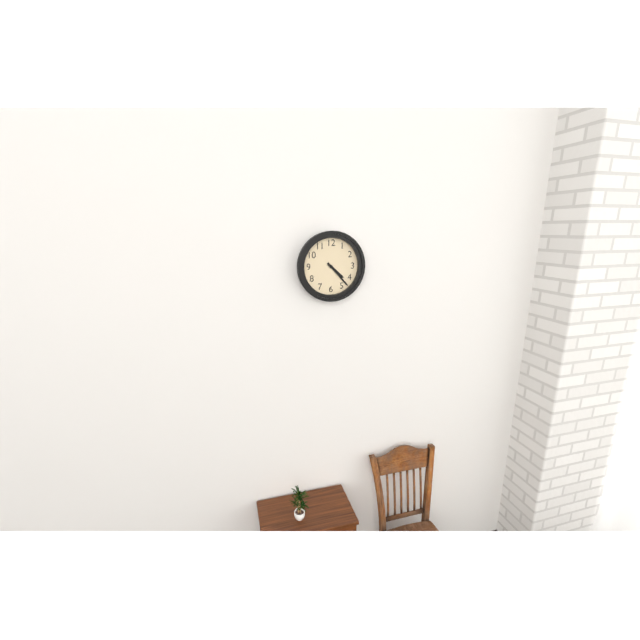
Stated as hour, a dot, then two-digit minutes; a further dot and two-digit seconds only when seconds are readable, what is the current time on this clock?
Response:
4.23
